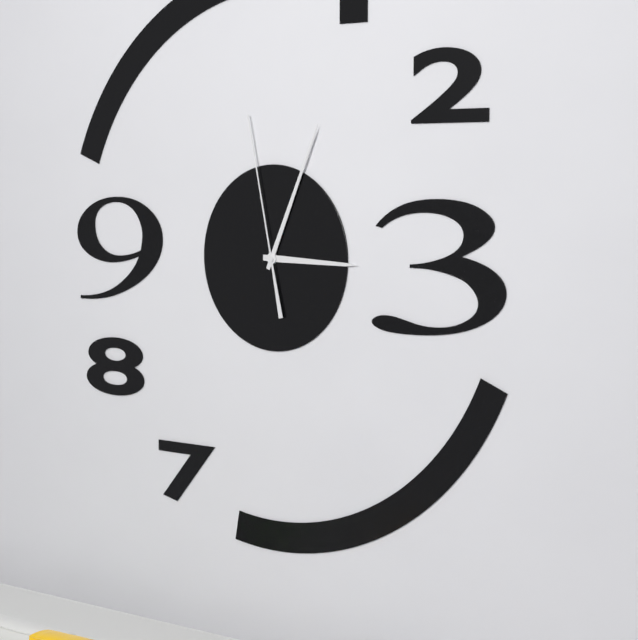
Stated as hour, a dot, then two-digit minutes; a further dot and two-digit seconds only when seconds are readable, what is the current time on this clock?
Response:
3.04.58
